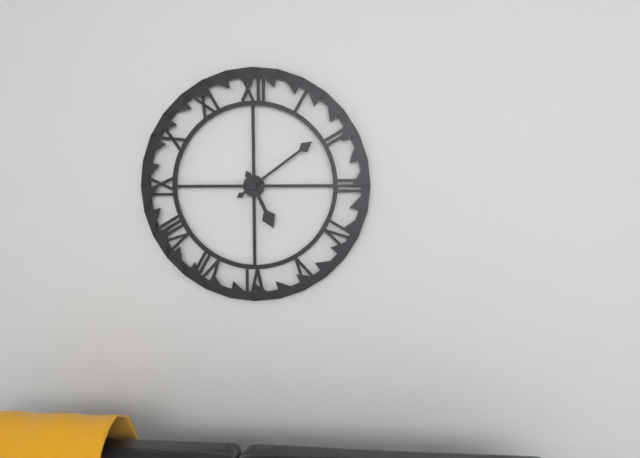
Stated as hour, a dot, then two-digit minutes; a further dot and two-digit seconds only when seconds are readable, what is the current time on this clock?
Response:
5.09
